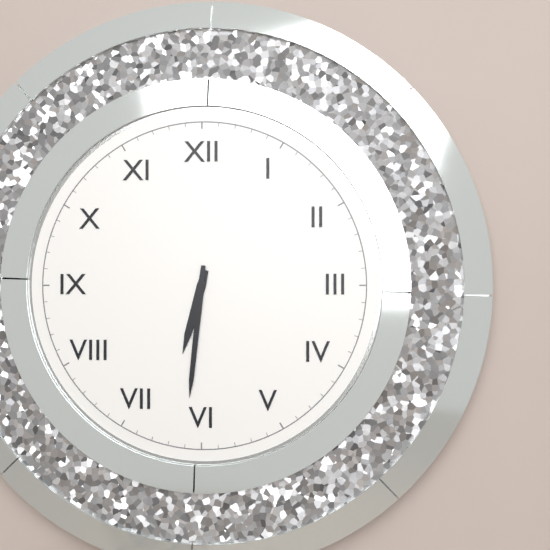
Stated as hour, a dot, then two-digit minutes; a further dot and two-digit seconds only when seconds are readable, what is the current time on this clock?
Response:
6.31
